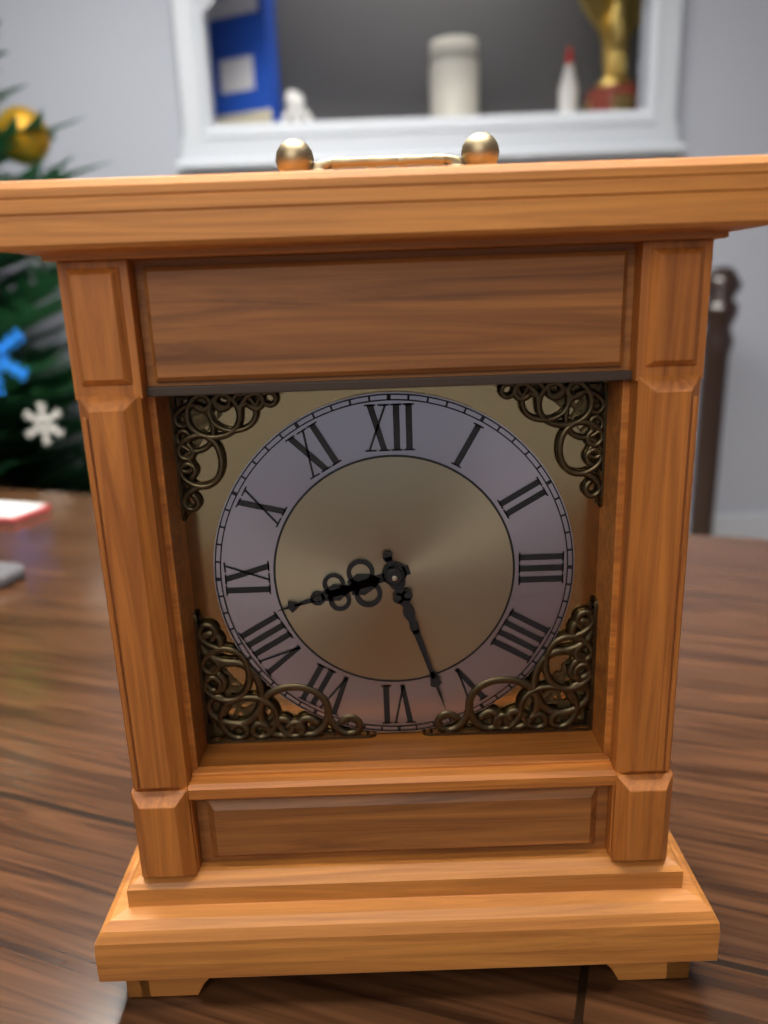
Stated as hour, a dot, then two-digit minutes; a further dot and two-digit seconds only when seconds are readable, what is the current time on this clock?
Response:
8.27
